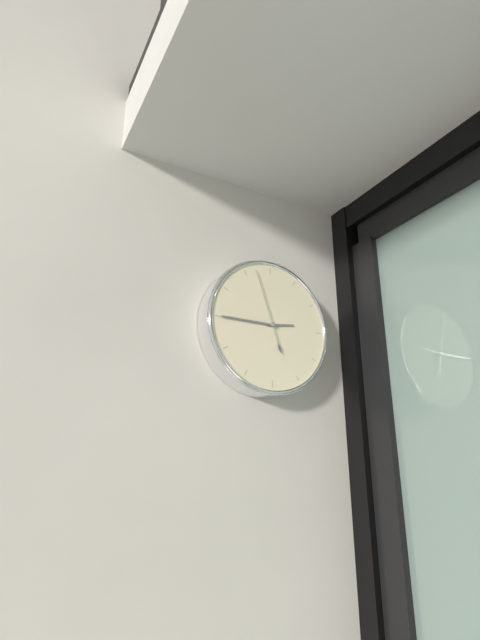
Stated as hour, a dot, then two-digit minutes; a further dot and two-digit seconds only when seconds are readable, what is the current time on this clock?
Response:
2.45.57
